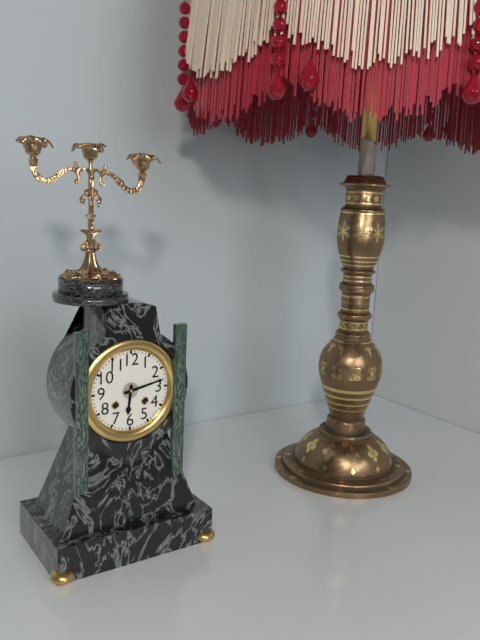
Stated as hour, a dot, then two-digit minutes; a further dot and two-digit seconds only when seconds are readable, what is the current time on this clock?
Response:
6.13
